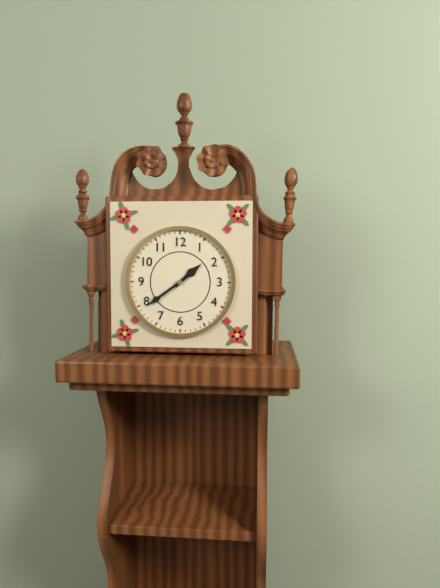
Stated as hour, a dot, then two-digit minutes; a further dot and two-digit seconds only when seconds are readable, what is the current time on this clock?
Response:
1.39
